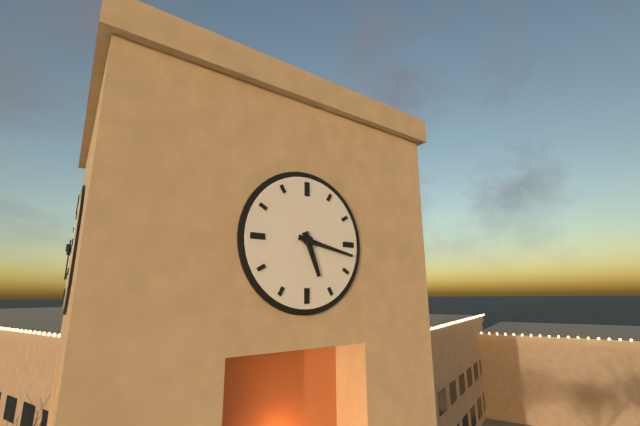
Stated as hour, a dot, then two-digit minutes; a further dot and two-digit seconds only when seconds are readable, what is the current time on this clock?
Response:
5.17
